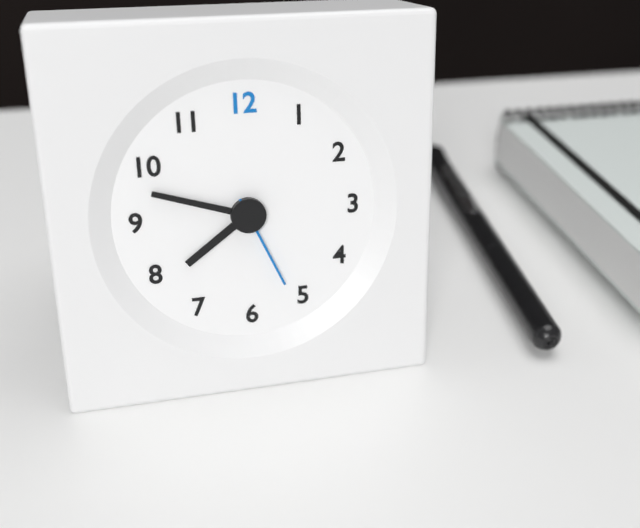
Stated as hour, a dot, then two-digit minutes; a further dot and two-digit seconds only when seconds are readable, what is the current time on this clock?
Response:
7.48.26
